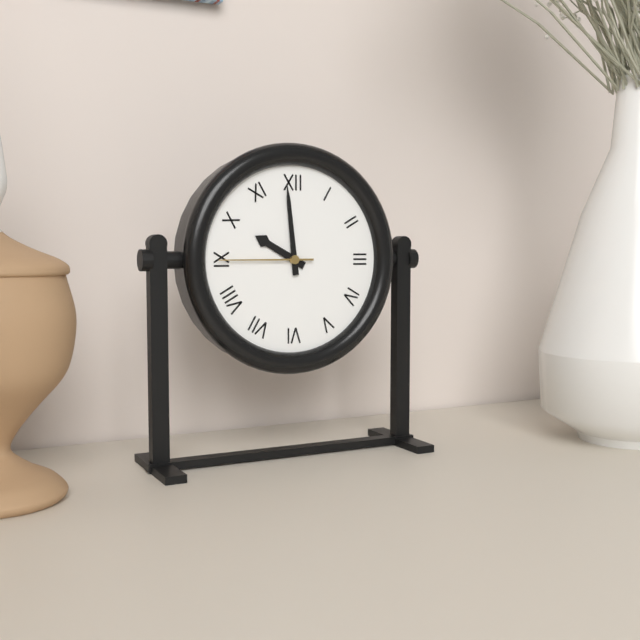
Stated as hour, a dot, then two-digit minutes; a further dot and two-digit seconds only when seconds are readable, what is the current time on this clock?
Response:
9.59.45
